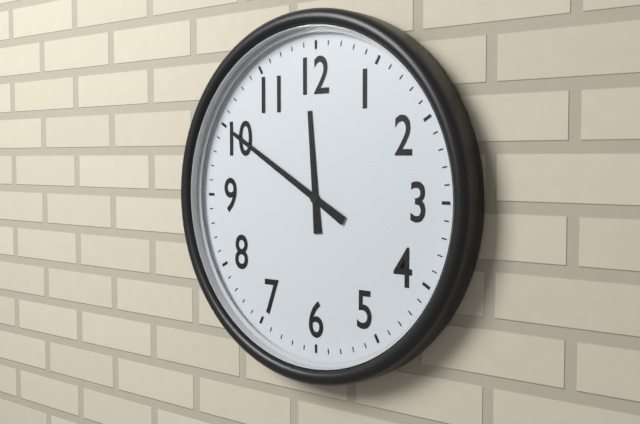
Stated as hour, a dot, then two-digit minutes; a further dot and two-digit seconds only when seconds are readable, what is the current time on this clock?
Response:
11.50
